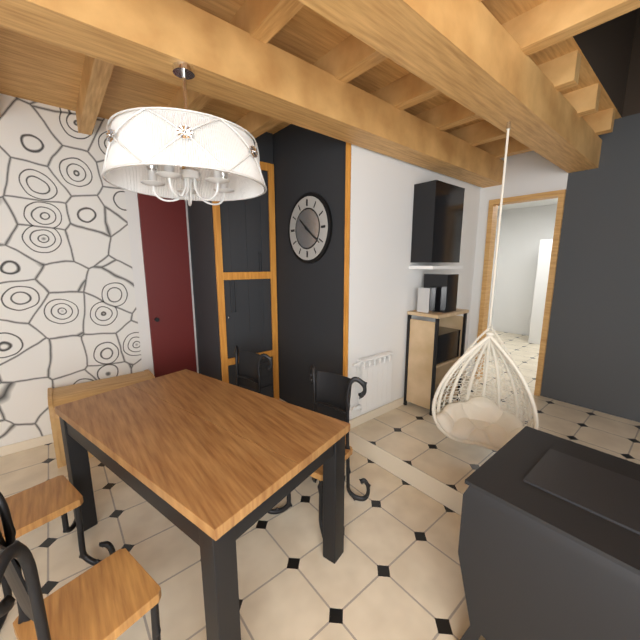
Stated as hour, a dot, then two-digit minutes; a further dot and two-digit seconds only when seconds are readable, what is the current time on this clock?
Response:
10.21
